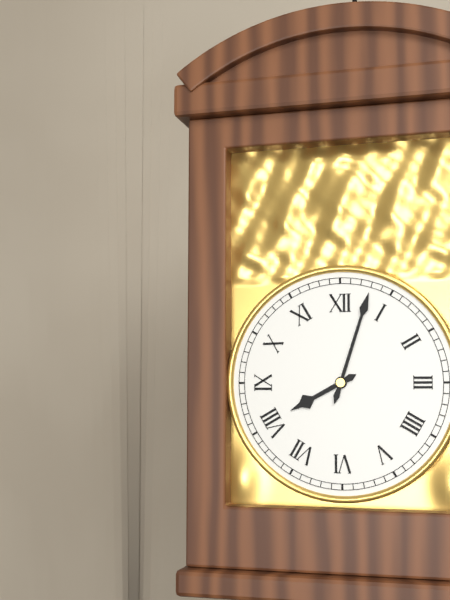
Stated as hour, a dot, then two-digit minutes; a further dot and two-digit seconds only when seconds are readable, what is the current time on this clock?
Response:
8.03
